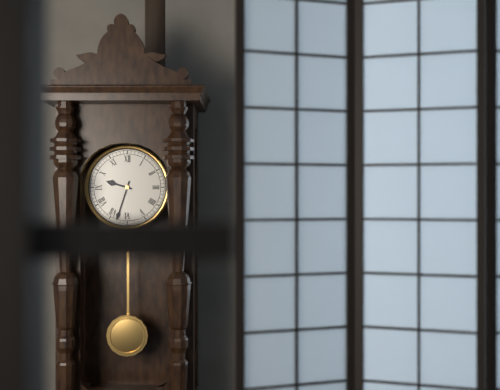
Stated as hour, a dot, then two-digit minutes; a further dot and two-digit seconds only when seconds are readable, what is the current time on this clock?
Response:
9.33
